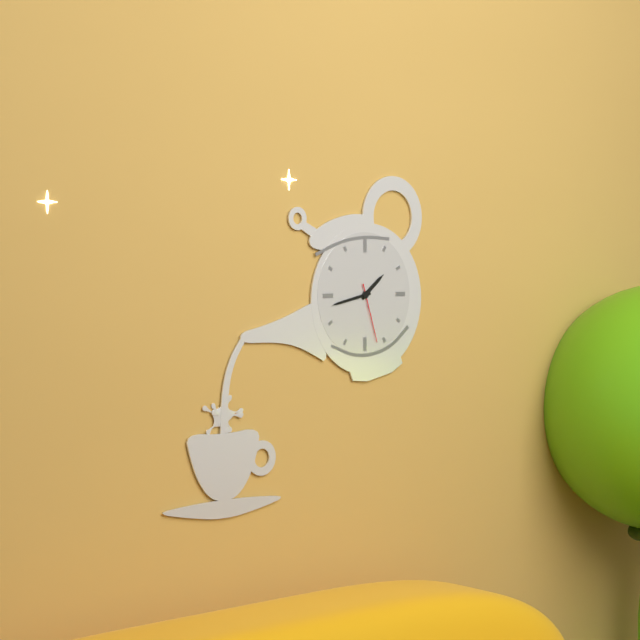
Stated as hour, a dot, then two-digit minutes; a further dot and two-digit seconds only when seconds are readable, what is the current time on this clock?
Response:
1.43.27
